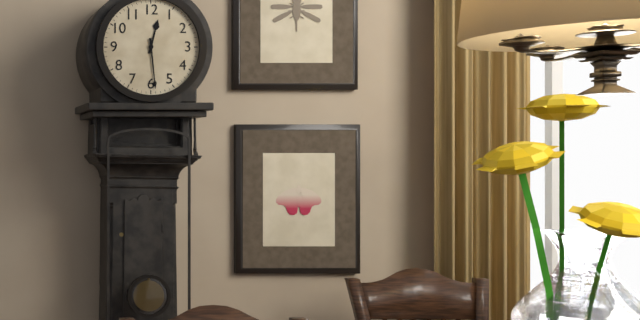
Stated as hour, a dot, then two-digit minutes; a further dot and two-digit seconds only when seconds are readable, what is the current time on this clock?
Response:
12.29
